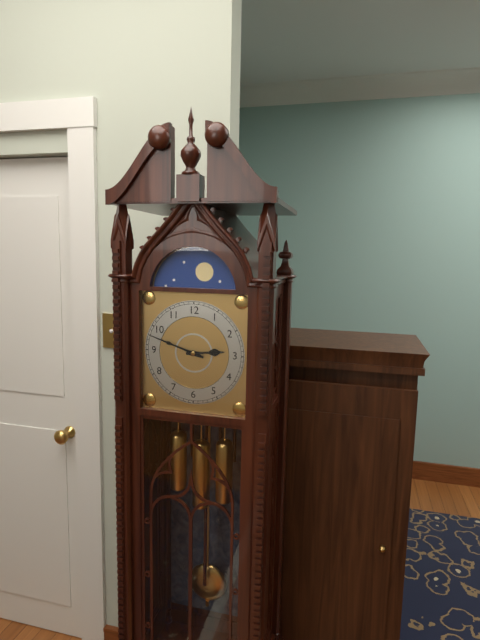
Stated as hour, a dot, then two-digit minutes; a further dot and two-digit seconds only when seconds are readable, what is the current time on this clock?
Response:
2.48
